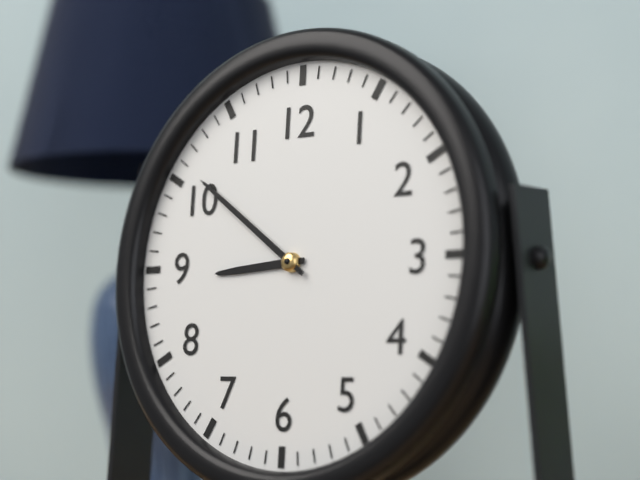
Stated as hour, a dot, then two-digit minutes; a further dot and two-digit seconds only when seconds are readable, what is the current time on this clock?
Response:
8.51
